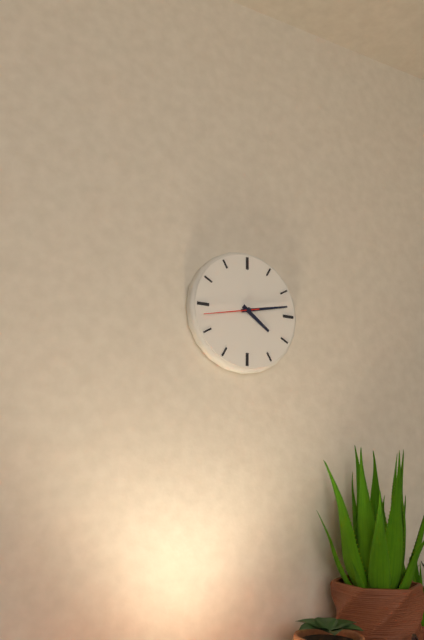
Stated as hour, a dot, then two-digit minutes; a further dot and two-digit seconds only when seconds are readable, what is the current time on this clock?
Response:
4.13.43
